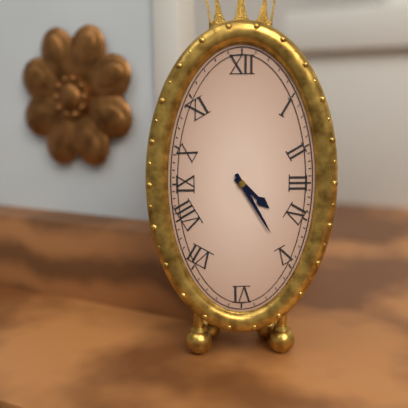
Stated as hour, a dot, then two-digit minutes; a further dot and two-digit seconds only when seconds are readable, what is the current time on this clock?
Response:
4.25
